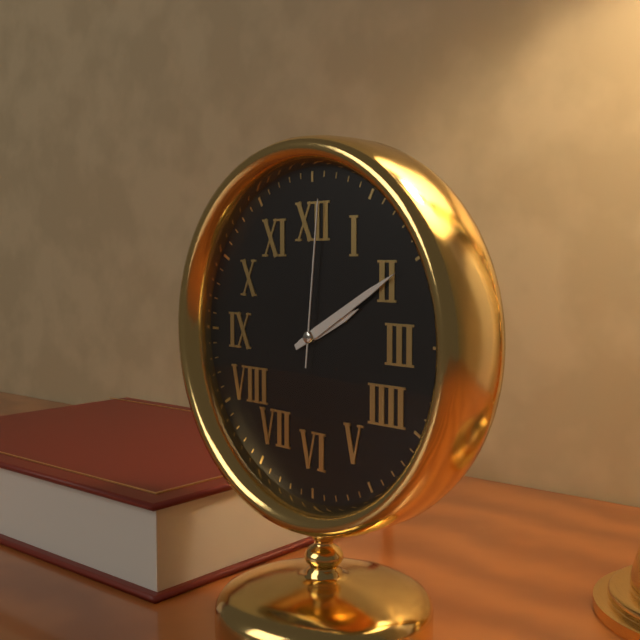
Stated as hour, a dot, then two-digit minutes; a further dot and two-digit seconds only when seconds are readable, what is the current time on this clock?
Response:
2.10.01
